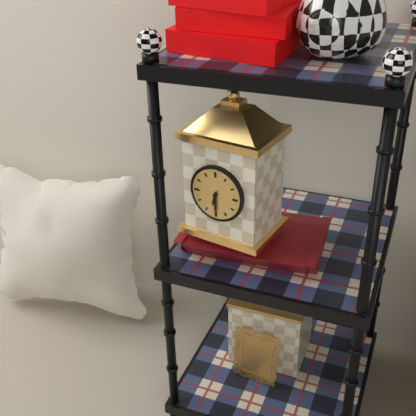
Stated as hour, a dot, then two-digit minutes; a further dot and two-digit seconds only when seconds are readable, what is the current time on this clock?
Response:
6.30
